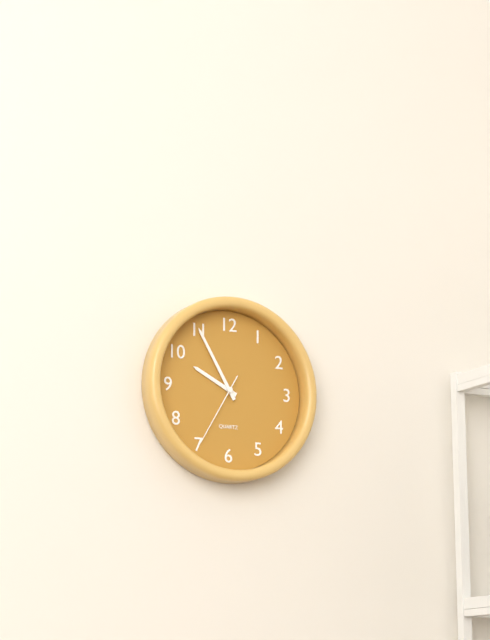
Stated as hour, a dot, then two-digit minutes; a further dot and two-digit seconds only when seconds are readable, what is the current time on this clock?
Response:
9.55.35
